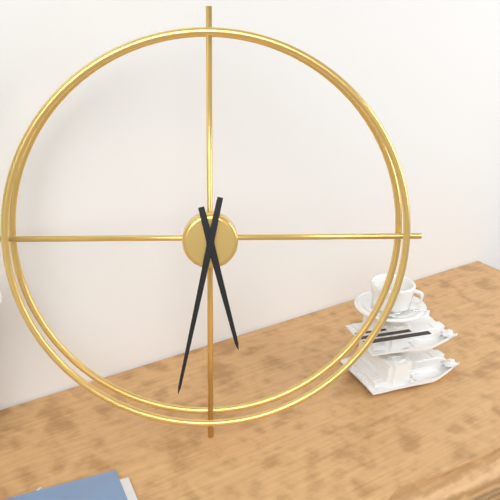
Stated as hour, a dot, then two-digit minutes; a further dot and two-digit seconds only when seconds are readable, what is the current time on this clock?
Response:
5.32
